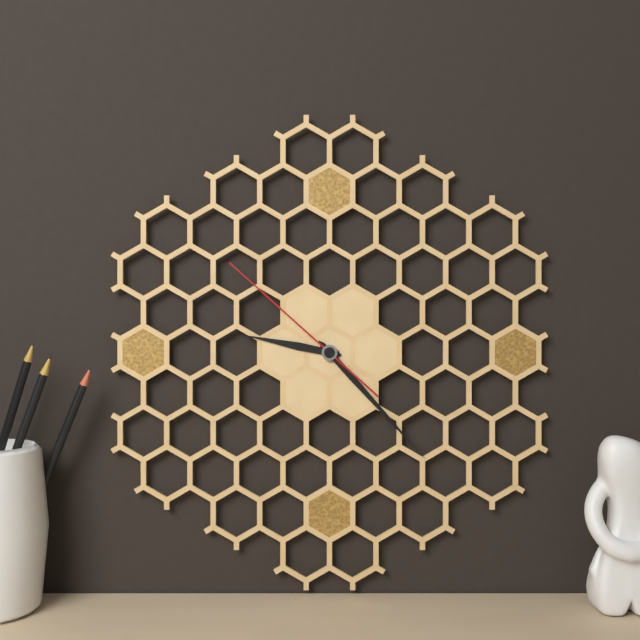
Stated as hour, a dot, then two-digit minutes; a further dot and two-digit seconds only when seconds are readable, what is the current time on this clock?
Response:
9.23.52
